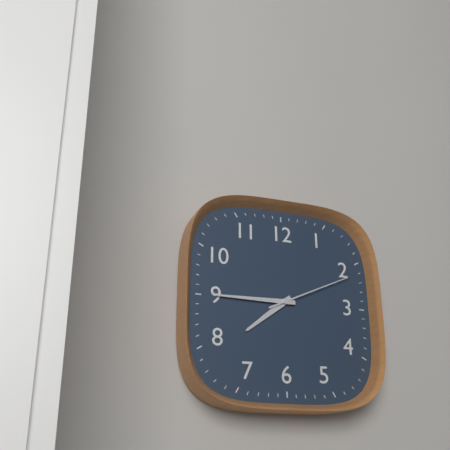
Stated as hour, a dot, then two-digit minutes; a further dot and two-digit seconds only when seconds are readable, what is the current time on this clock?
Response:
7.45.11
